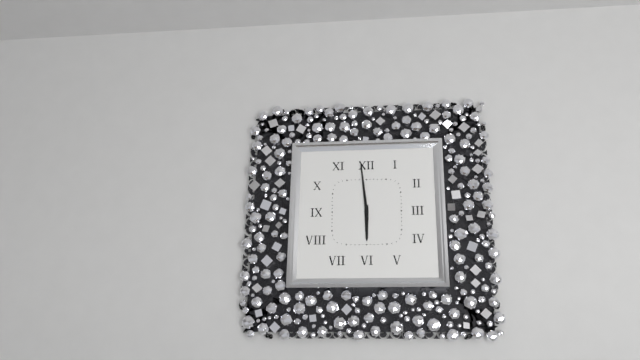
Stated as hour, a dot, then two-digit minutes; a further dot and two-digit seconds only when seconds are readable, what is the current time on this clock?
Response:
5.59
